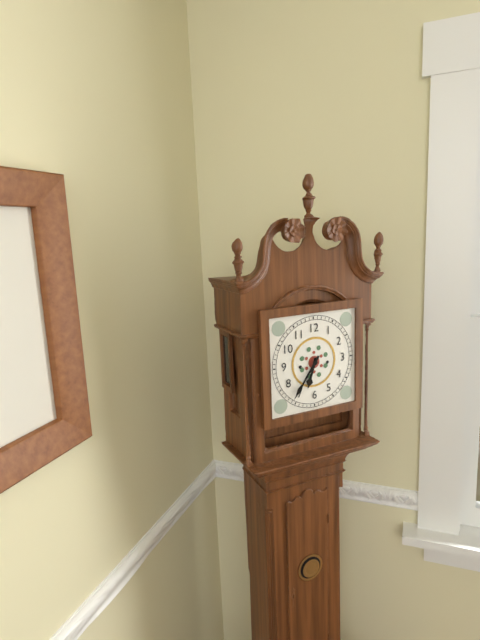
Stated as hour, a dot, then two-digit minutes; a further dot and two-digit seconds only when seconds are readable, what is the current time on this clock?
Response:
6.36
